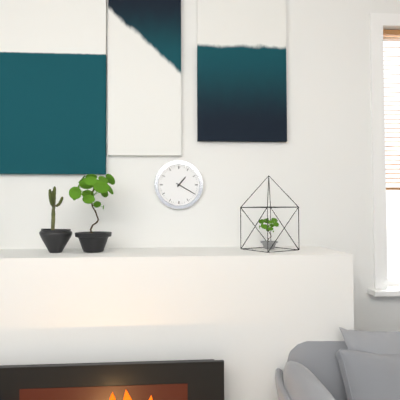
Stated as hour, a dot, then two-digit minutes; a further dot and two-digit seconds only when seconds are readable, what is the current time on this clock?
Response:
1.20
